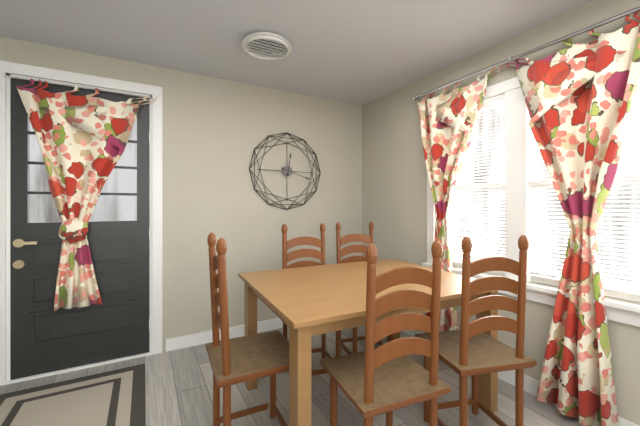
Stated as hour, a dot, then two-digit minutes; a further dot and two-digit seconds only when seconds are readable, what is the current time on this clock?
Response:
12.18
